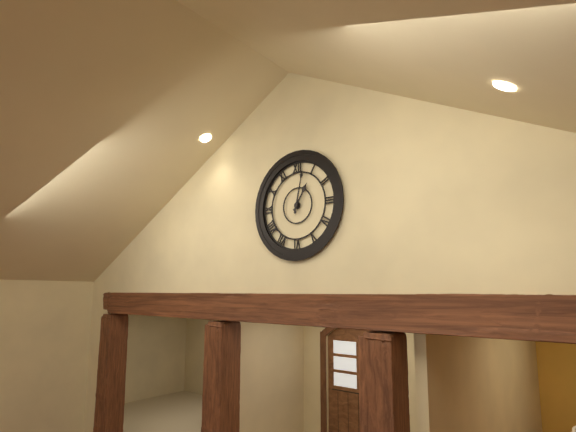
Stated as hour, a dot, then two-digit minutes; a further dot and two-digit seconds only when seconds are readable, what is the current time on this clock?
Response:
1.02
